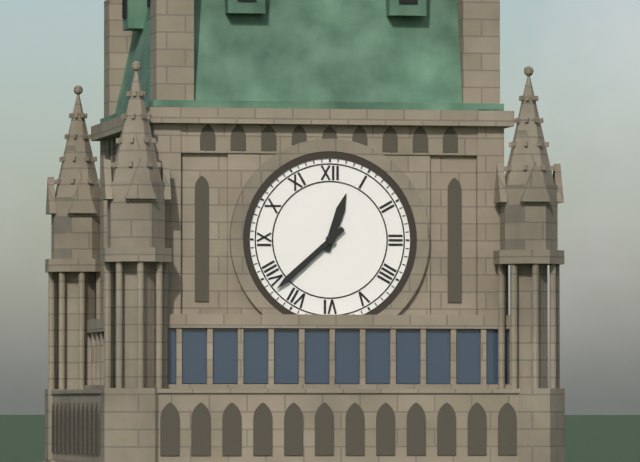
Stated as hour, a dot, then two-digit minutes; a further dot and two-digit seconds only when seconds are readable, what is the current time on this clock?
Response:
12.38
